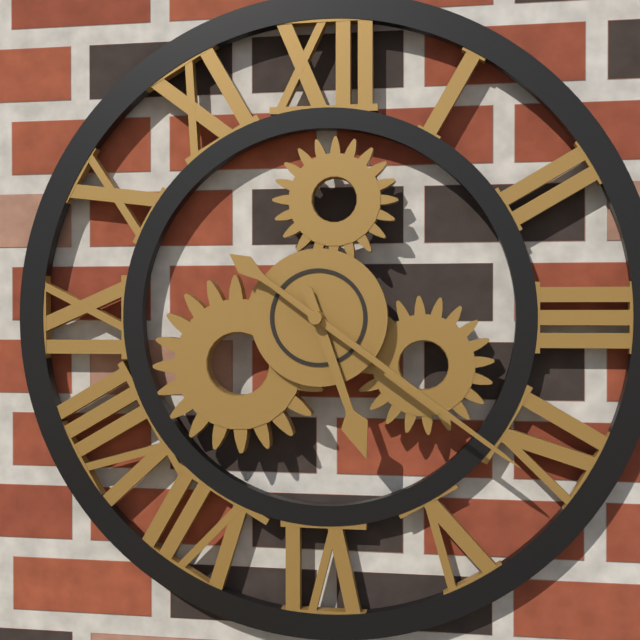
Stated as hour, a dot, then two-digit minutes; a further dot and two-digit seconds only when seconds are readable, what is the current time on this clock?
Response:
5.21
